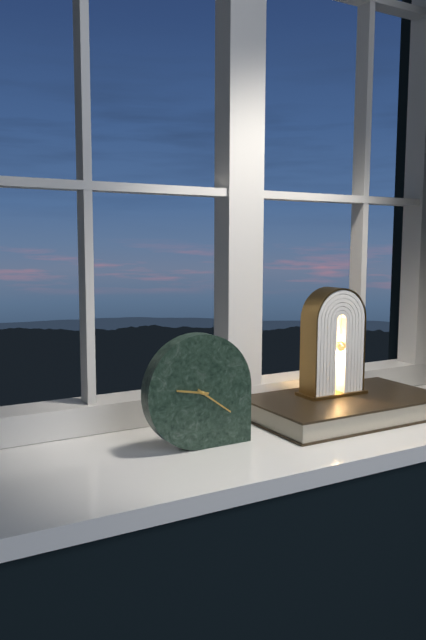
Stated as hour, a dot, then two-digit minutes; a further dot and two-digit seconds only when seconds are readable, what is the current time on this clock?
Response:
9.21
